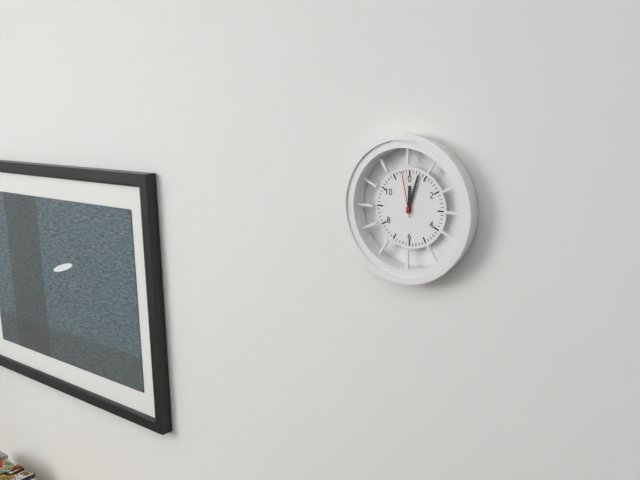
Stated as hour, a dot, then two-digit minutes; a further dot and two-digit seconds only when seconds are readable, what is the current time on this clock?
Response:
12.03
